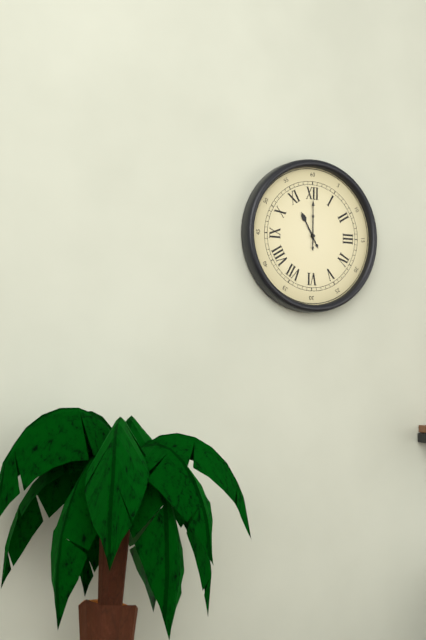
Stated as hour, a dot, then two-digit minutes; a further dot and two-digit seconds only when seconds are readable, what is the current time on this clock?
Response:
11.00
